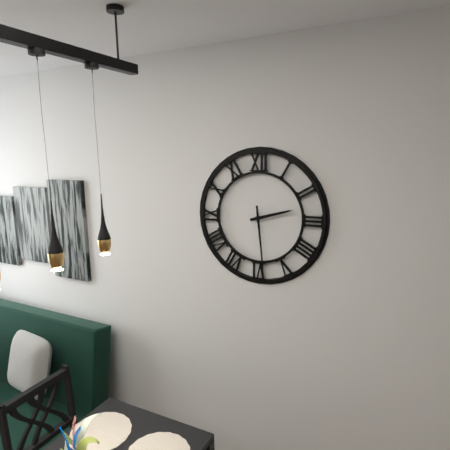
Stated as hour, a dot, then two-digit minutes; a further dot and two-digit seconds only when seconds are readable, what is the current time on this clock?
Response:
2.29
